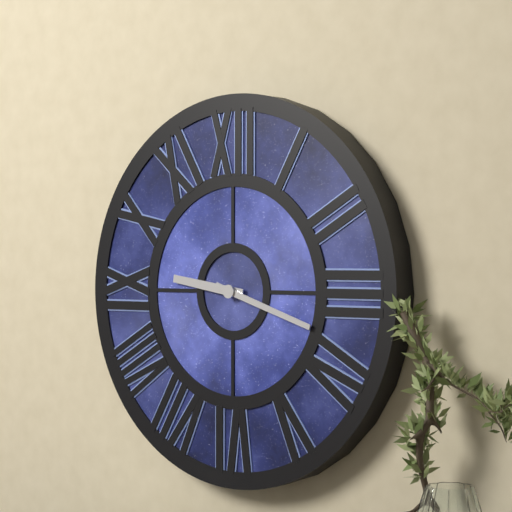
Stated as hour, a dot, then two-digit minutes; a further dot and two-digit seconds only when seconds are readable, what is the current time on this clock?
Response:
9.18
